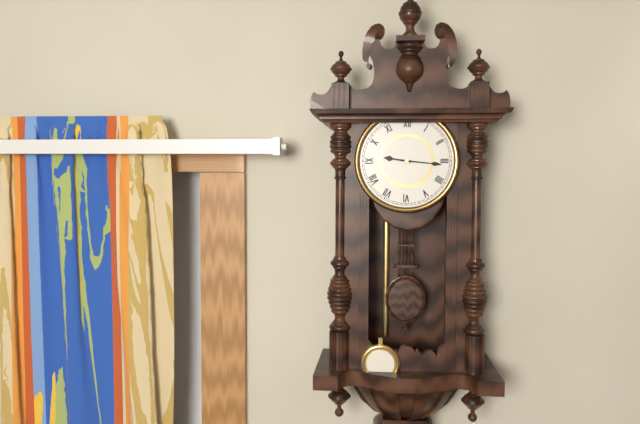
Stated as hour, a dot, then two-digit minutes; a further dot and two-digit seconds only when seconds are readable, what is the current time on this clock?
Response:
9.16
